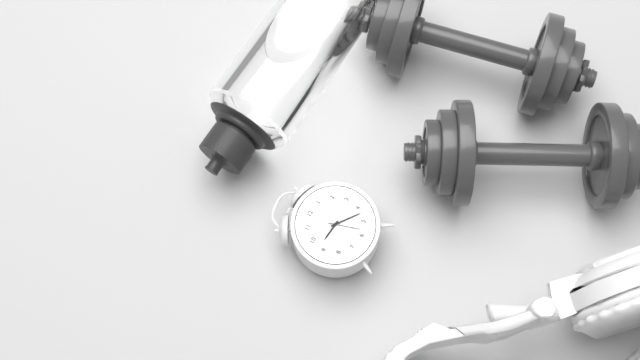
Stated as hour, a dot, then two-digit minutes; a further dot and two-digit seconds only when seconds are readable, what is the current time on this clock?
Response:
9.22
